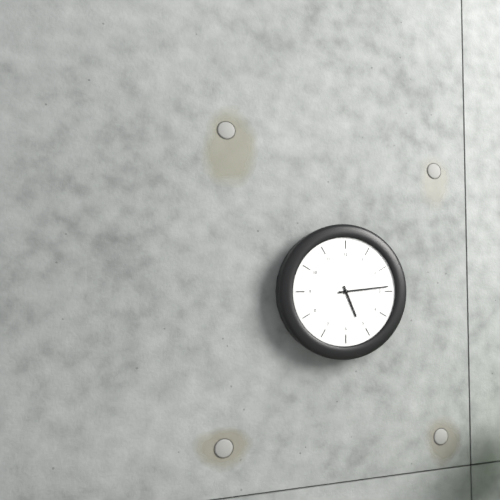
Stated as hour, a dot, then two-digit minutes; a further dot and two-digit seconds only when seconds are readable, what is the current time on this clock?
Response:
5.14
